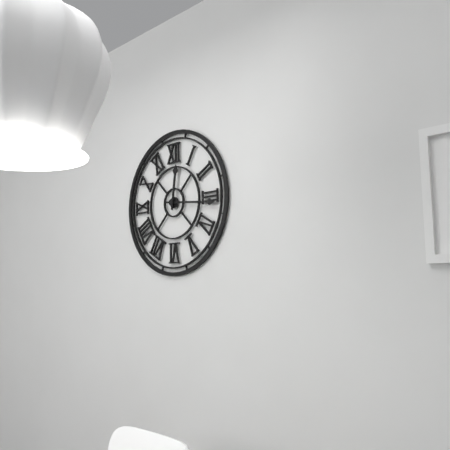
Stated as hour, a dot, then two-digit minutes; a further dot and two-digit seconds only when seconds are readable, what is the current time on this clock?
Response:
12.16
